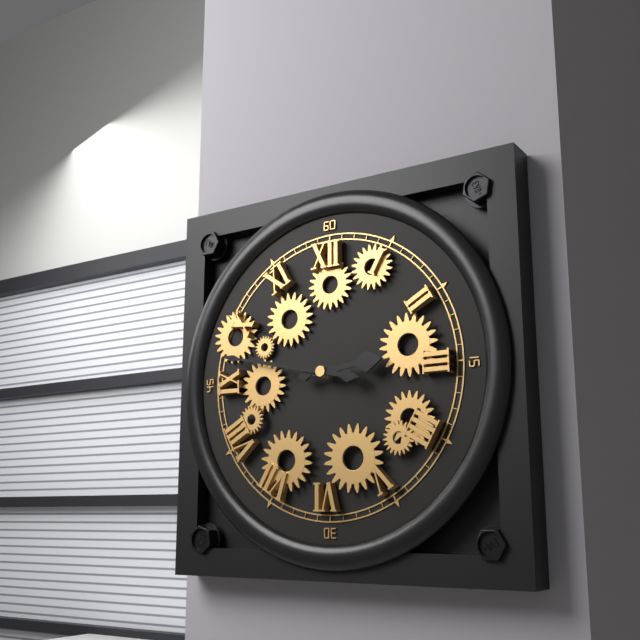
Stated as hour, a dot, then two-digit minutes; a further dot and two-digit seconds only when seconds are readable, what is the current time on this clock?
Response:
2.47
